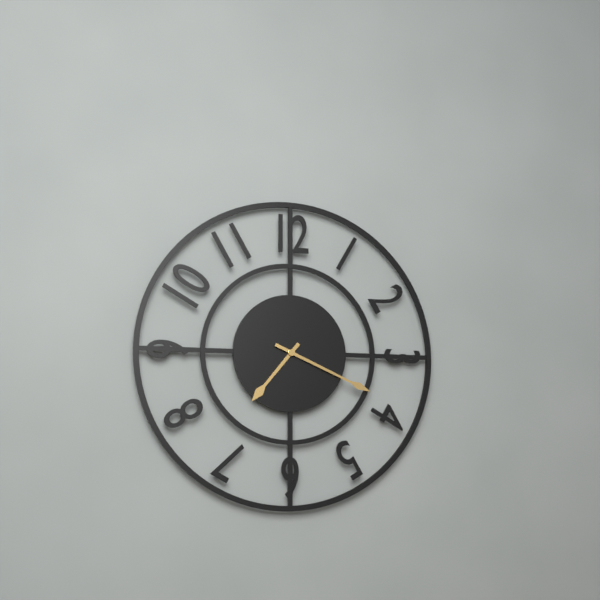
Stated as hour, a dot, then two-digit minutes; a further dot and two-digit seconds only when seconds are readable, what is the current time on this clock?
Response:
7.19
